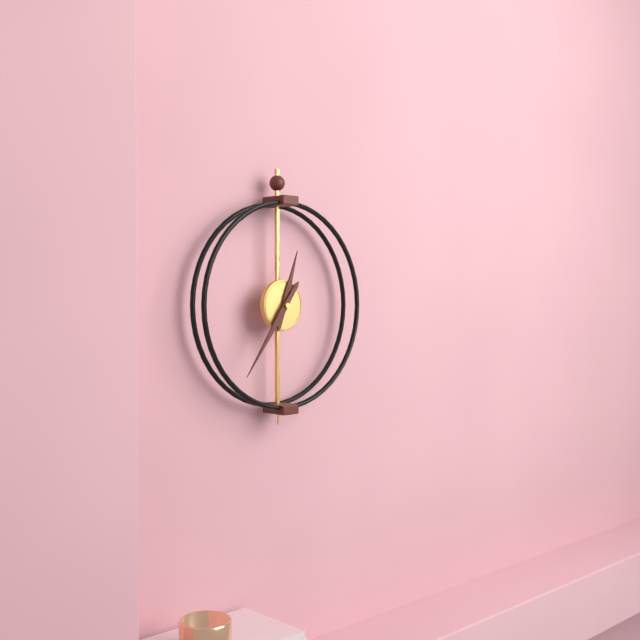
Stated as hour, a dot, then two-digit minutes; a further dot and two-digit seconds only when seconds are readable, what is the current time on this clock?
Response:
12.36
